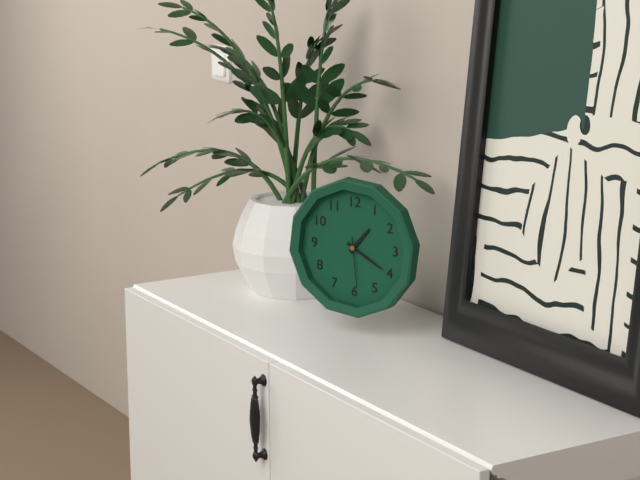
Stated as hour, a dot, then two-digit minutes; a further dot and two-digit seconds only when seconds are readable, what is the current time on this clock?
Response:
1.20.29
